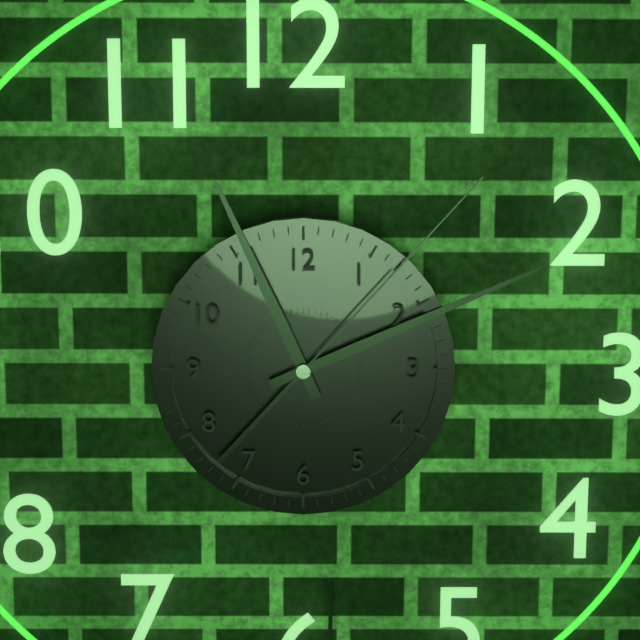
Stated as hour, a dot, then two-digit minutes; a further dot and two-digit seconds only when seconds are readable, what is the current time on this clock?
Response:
11.11.07
